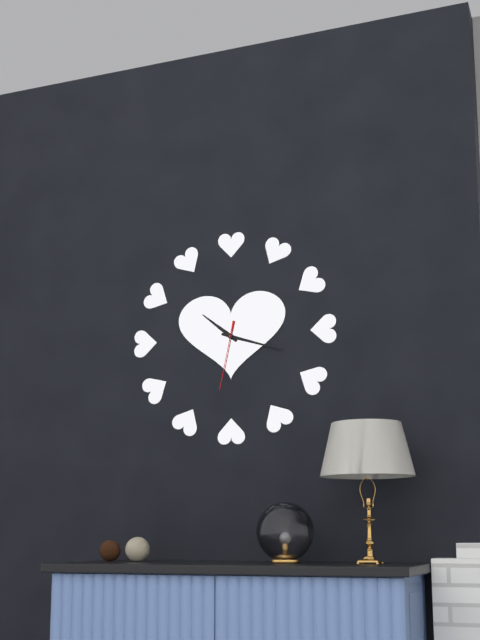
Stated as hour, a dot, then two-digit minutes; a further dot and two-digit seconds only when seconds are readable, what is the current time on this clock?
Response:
10.18.32
